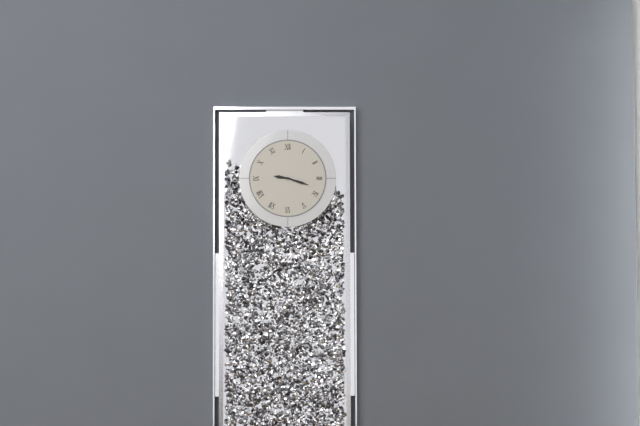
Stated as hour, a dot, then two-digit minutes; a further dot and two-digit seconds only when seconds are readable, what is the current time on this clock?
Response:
9.18
